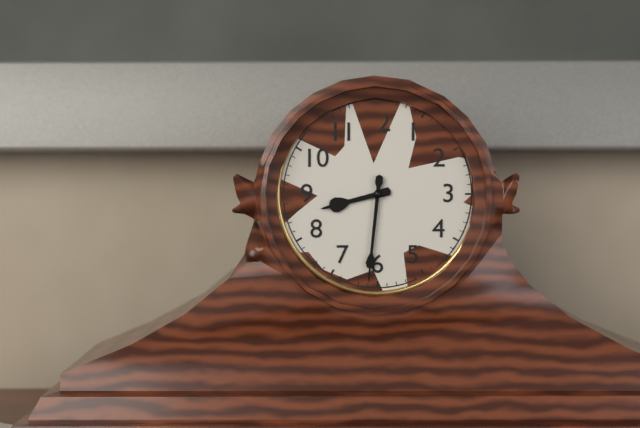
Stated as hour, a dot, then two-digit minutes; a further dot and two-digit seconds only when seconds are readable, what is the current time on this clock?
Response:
8.31
